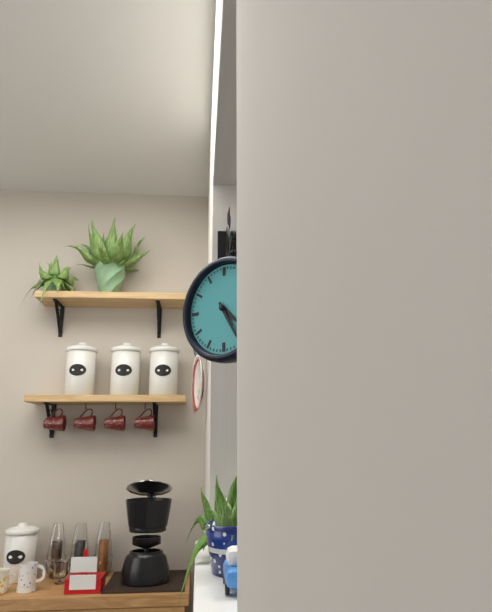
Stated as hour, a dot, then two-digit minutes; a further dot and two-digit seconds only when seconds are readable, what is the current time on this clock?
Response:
4.25
